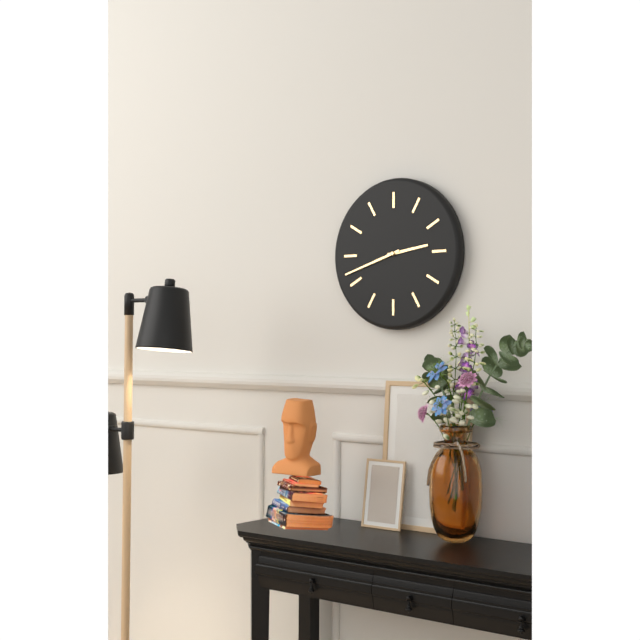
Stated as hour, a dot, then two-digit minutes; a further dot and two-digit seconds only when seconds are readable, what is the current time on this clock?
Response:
2.42
